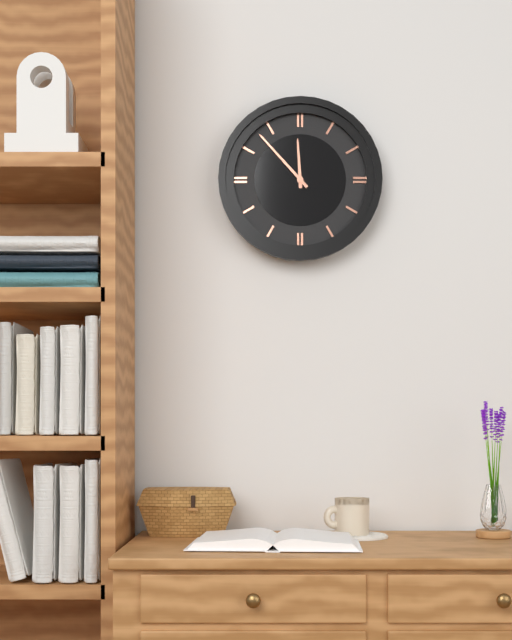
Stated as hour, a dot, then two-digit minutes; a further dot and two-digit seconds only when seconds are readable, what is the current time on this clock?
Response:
11.53
